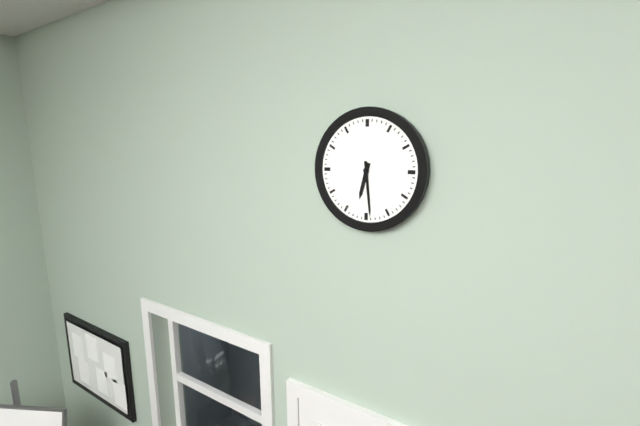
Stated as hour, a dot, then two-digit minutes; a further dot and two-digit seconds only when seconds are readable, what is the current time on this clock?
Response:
6.29
